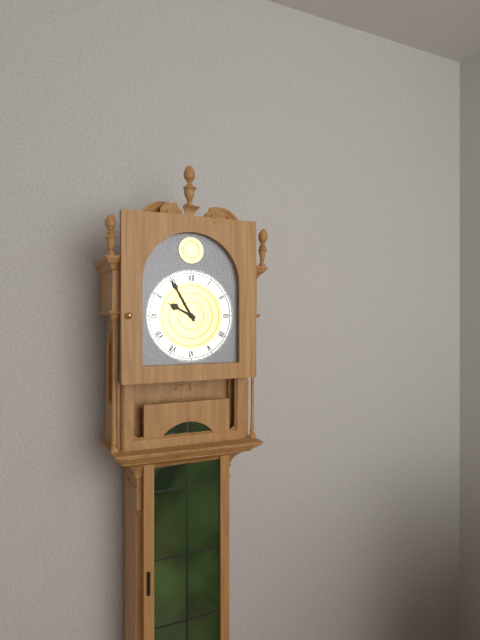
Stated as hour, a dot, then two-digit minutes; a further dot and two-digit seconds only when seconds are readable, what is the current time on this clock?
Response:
9.55
